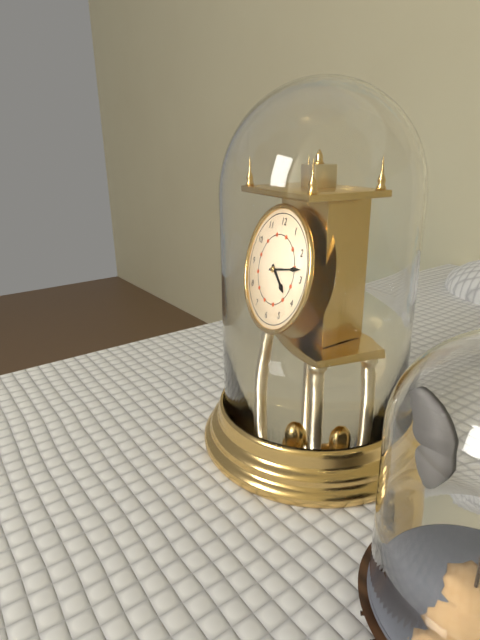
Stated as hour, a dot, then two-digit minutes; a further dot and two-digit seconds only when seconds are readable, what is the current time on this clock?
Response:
4.13
